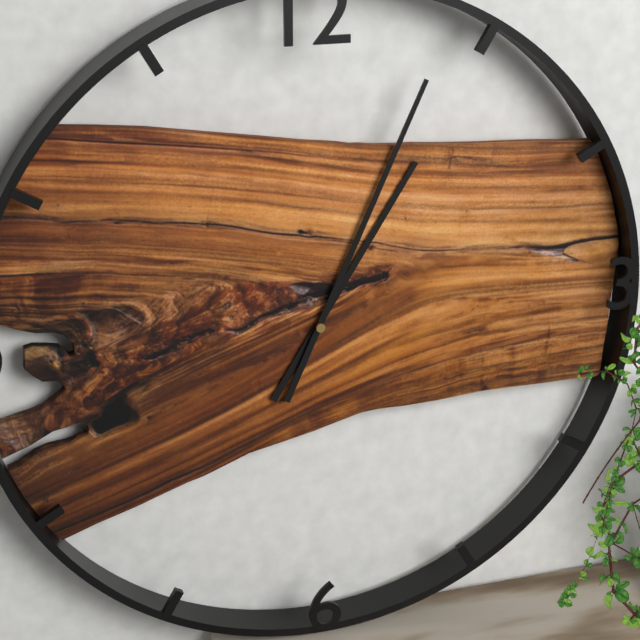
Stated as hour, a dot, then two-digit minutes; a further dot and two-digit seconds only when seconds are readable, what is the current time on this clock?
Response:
1.04
